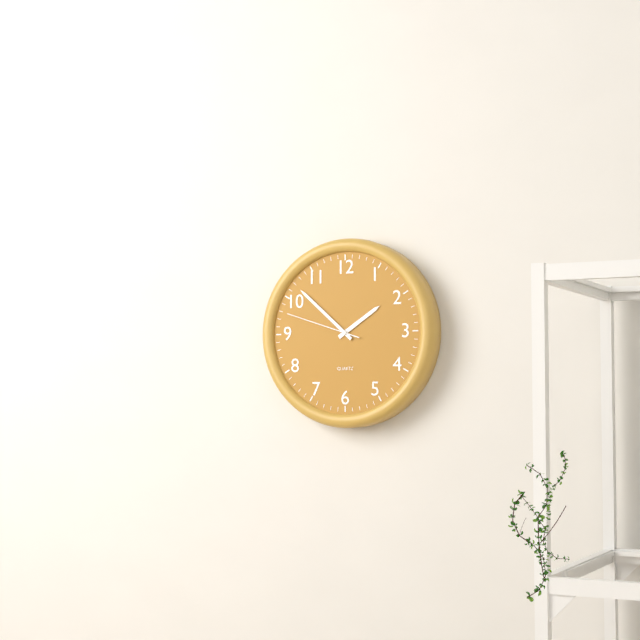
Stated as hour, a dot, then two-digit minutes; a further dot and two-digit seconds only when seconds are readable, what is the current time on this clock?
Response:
1.52.48
